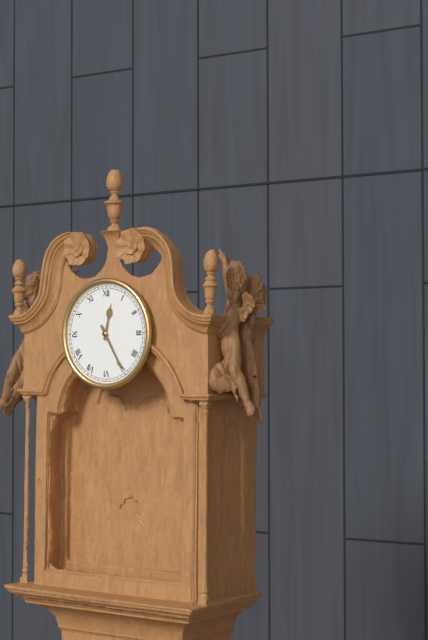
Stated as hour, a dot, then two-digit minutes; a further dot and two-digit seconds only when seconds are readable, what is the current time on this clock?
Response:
12.25
